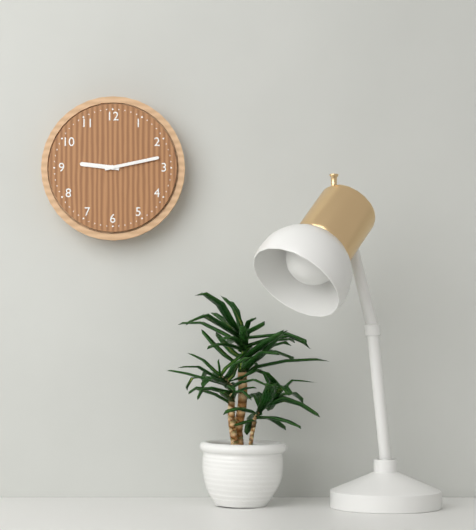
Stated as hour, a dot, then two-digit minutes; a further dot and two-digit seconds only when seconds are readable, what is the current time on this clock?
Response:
9.13
